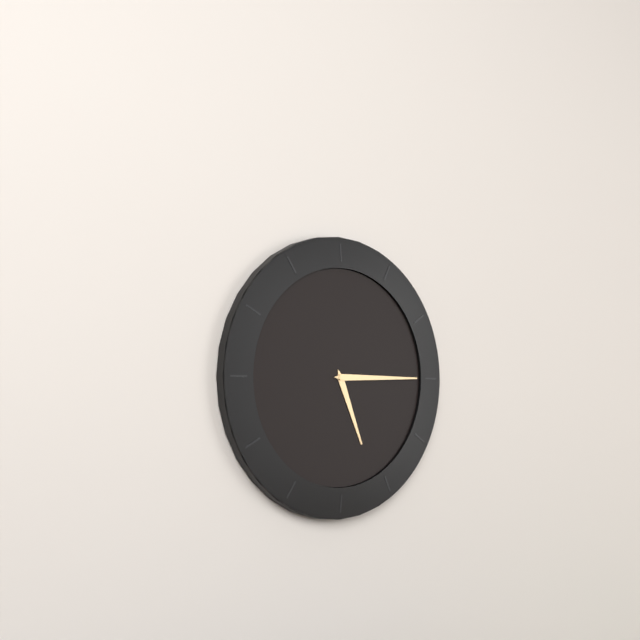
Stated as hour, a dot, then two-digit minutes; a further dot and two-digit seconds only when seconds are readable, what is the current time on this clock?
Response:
5.15
